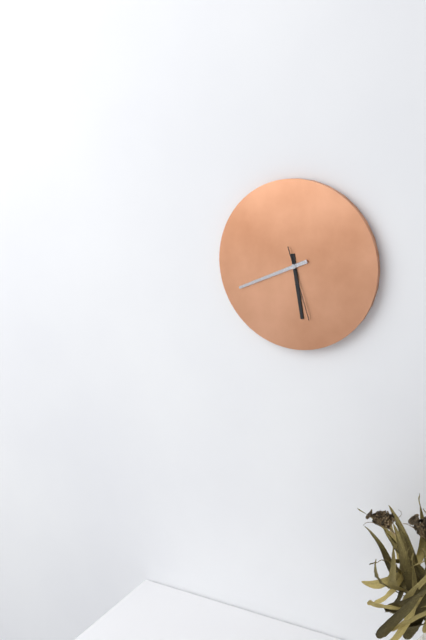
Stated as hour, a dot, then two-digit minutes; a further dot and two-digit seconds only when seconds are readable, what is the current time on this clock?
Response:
5.41.27
